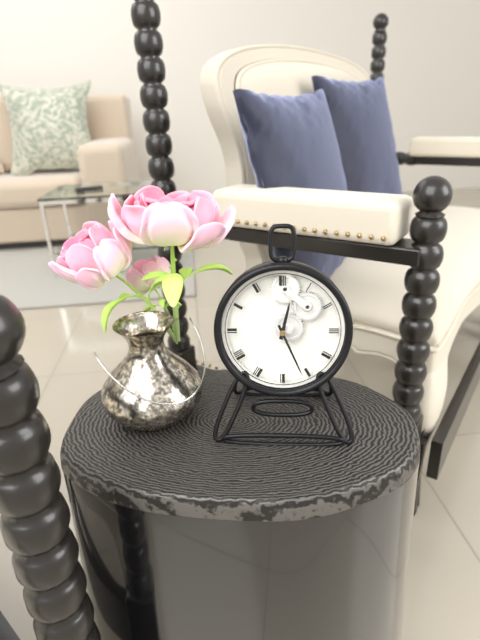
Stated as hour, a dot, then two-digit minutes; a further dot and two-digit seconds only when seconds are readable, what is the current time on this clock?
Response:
12.26
